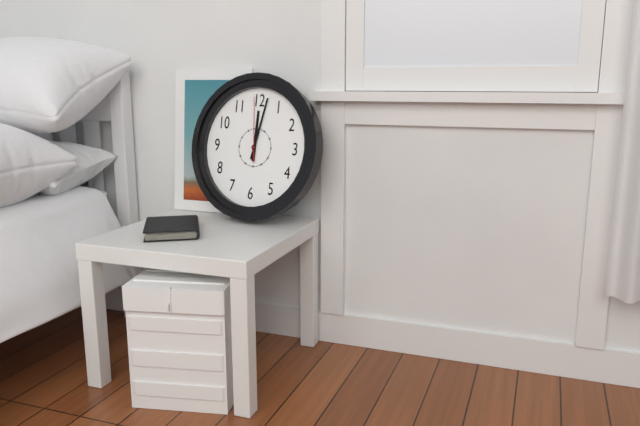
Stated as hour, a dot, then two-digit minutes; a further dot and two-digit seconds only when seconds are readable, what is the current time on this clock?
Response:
12.02.59
